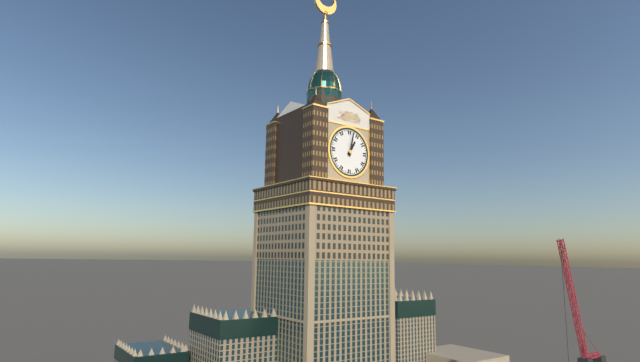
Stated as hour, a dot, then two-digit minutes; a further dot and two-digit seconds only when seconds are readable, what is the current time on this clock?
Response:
1.02
